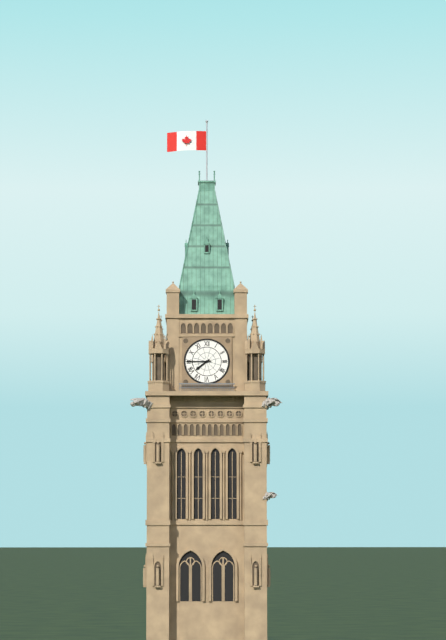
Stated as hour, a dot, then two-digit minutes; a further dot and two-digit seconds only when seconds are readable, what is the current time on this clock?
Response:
7.45
